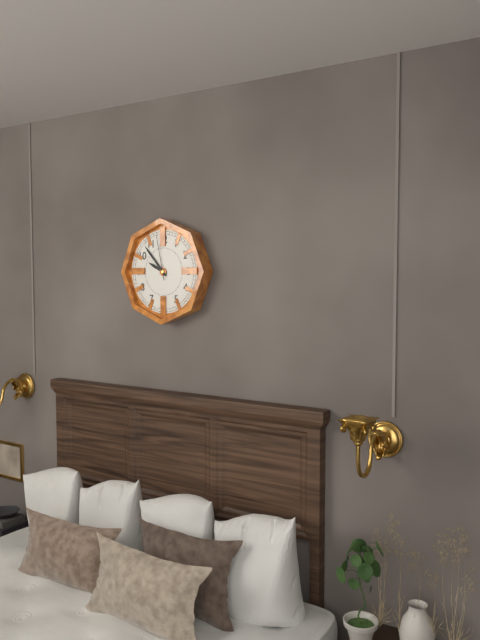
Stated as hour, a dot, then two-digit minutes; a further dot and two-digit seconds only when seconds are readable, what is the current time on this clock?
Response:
9.53
